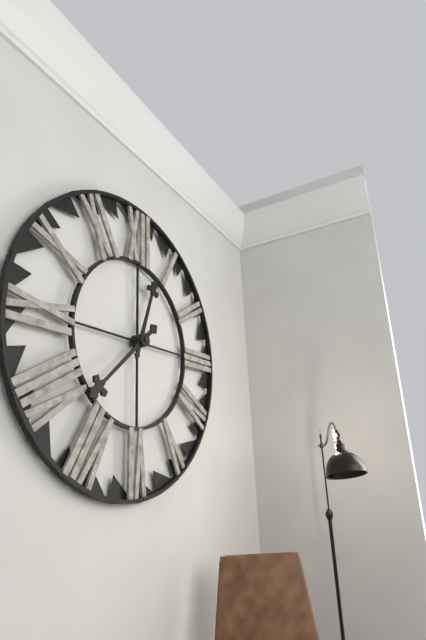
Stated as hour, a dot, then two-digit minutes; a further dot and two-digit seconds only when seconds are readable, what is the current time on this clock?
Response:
12.38
